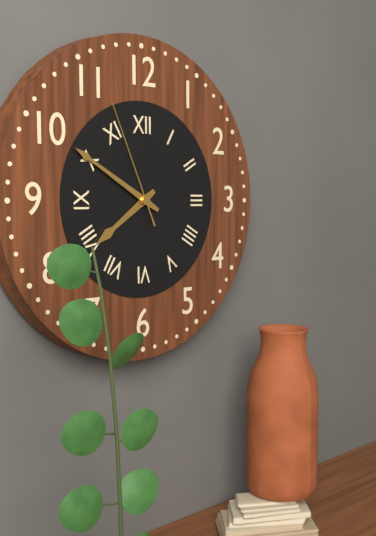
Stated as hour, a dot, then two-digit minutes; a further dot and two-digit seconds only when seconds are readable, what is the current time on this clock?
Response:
7.50.56
